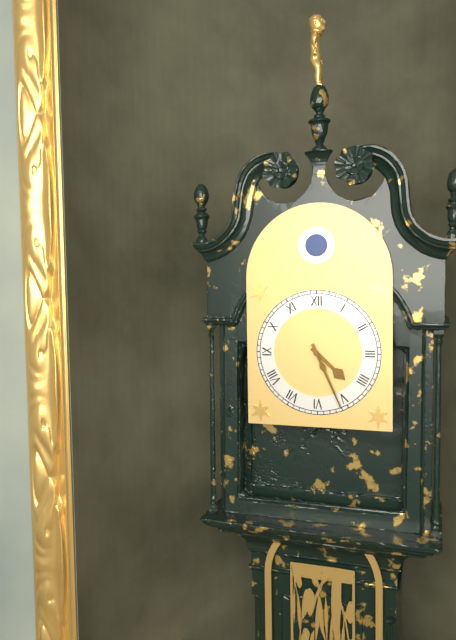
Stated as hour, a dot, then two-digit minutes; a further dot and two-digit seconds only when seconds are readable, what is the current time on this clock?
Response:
4.26
